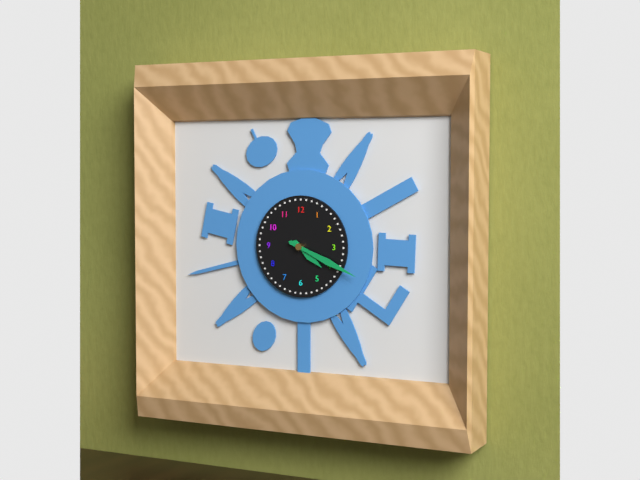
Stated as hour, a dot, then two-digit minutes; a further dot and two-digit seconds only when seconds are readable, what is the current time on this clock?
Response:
4.19
